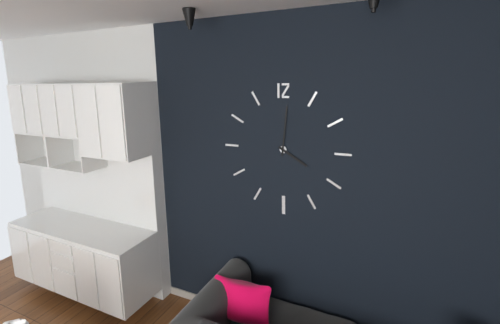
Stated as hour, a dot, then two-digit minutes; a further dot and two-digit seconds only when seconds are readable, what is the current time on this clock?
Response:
4.01
